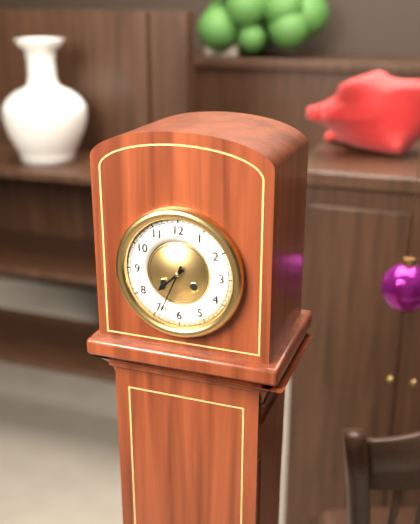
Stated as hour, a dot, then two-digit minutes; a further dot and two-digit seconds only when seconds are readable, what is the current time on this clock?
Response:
7.34
